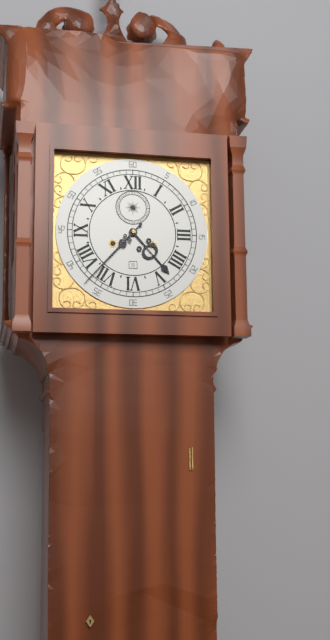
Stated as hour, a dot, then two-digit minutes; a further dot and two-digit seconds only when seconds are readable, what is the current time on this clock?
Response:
4.37
